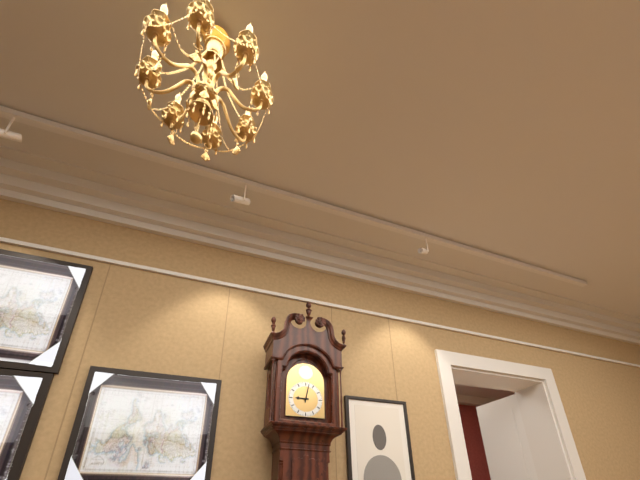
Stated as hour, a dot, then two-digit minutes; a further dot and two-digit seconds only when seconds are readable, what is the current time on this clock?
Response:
9.02
